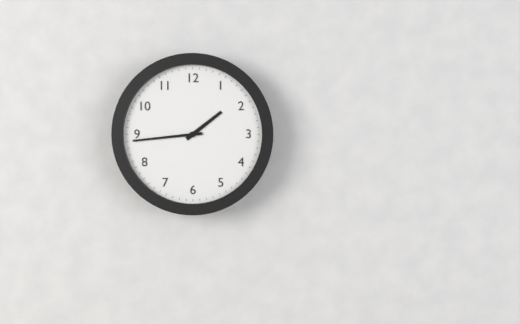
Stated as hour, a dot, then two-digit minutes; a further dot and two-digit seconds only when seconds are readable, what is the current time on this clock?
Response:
1.44
